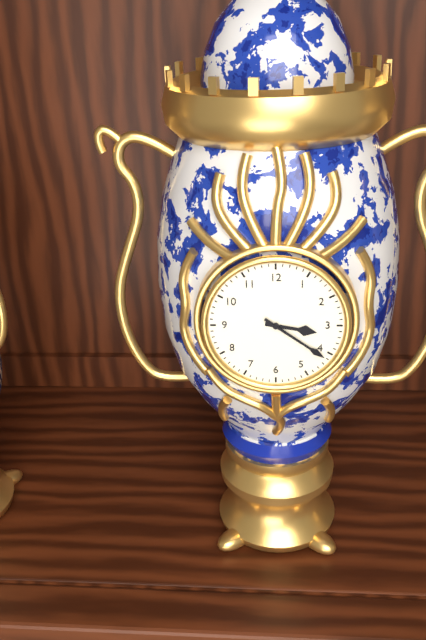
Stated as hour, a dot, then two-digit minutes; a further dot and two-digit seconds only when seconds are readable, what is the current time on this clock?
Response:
3.21
